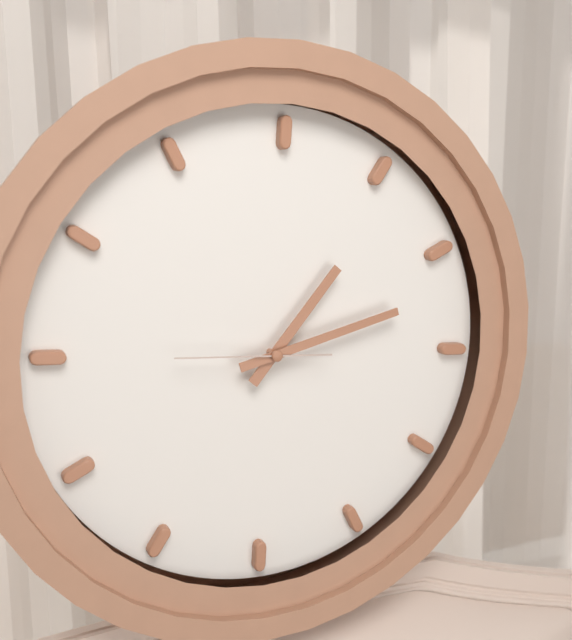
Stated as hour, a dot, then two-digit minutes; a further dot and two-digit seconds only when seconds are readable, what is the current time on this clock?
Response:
1.12.45
